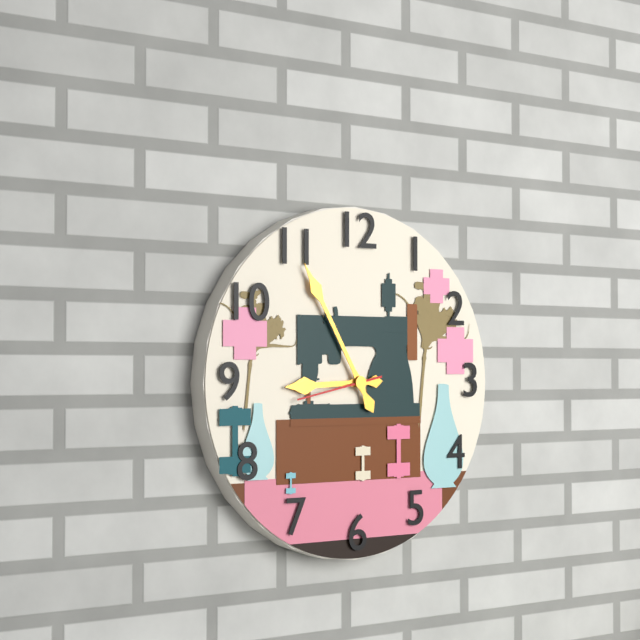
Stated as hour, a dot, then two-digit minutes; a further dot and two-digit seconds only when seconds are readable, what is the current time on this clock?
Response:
8.55.43
